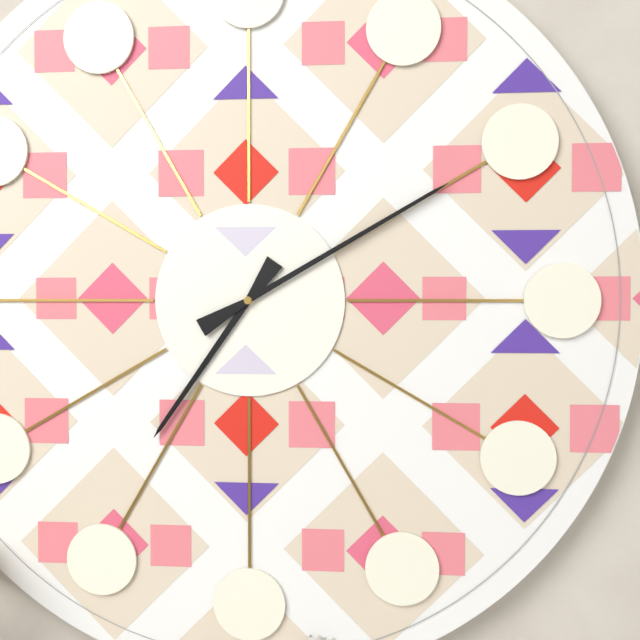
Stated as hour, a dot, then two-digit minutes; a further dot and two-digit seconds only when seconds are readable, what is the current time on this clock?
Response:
7.10
